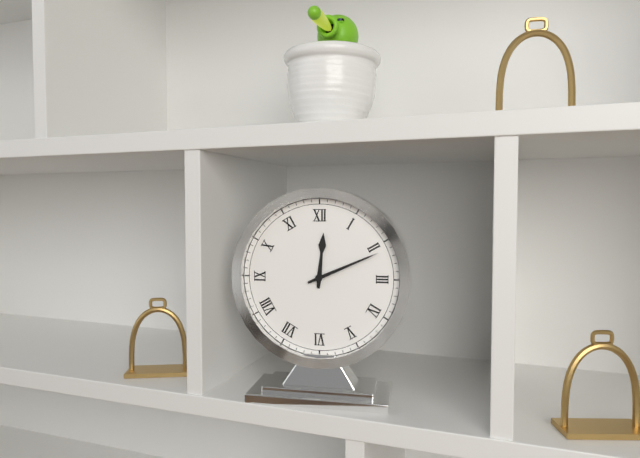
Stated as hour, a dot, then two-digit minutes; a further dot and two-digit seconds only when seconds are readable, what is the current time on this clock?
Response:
12.11
